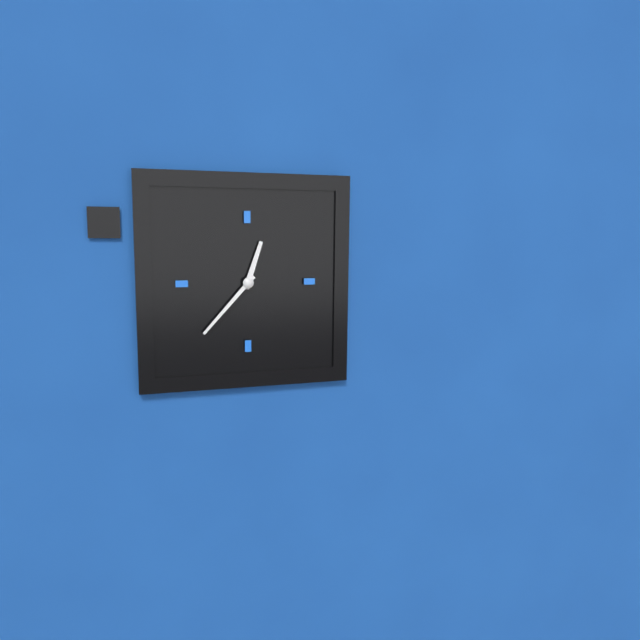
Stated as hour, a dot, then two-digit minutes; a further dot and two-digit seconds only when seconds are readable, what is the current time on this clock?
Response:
12.37
